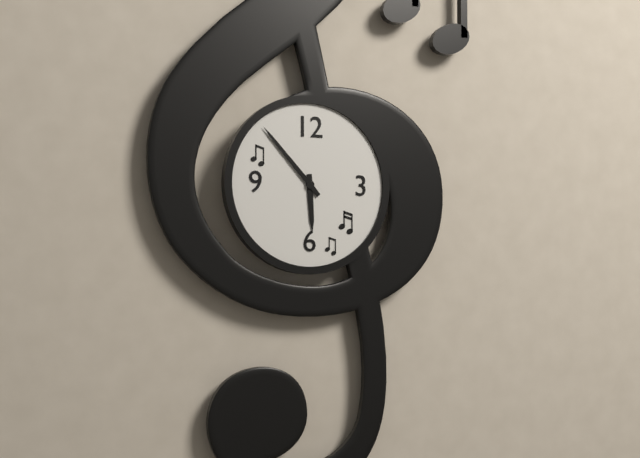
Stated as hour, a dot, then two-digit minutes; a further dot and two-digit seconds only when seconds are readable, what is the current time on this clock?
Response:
5.53
